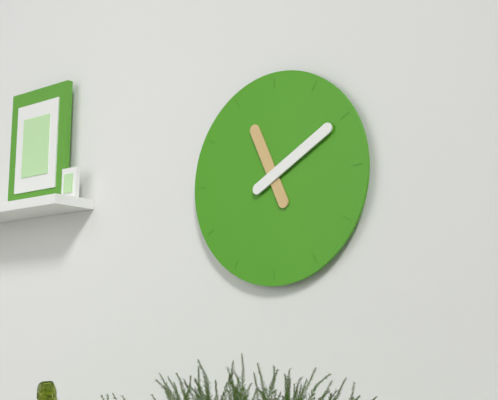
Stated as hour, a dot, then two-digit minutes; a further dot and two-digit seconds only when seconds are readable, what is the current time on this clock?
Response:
11.10
